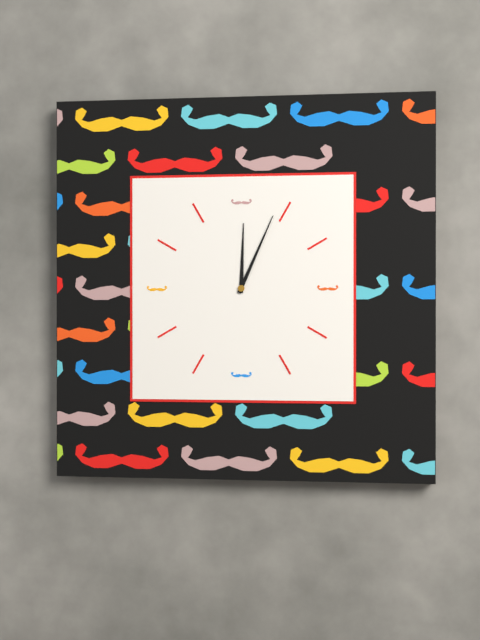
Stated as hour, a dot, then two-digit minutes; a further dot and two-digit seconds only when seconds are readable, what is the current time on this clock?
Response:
12.04
